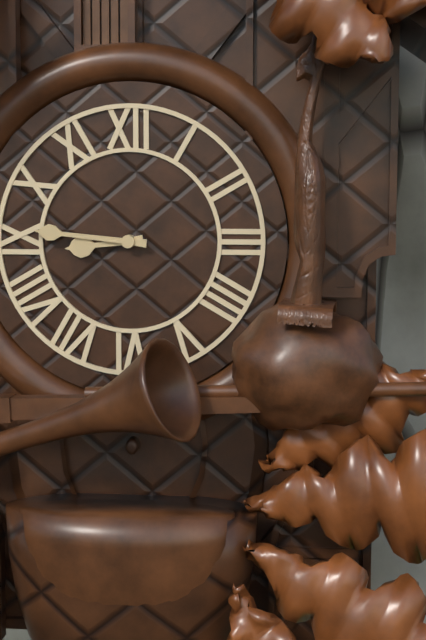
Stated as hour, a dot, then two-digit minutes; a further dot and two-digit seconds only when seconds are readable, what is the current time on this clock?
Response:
8.46
